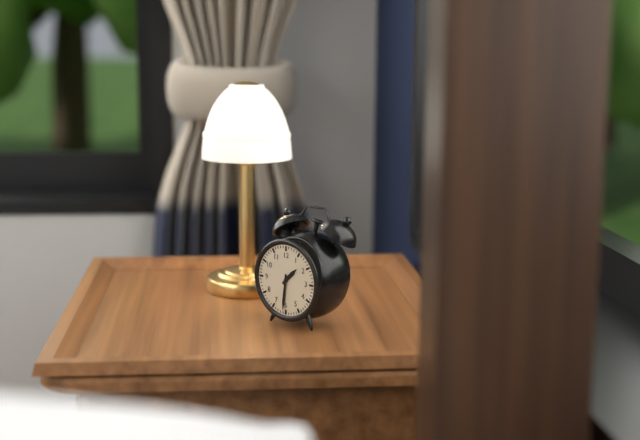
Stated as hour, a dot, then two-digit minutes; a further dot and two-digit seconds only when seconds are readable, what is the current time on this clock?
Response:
1.31
